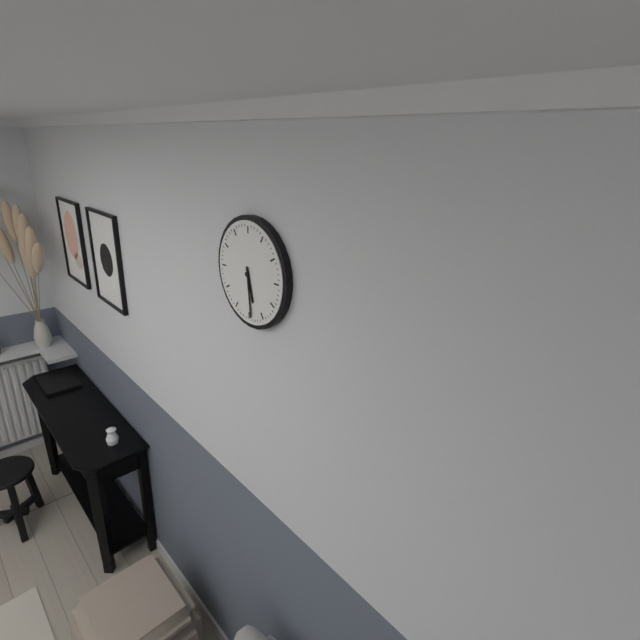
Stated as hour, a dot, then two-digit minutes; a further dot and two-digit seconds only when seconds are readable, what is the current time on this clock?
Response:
5.29
